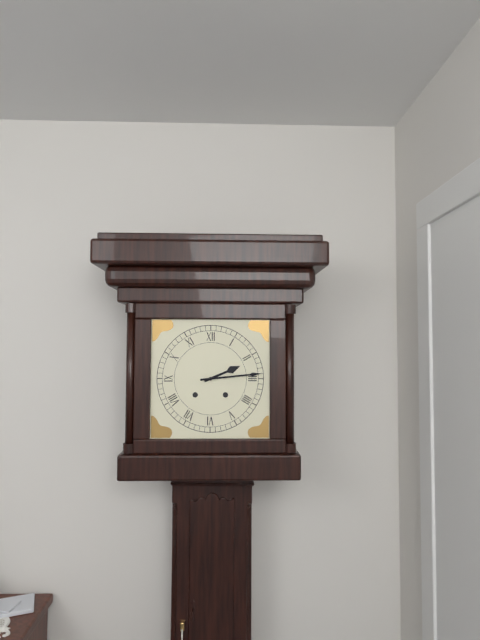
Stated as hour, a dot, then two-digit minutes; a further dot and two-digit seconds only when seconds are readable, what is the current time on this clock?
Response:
2.14
